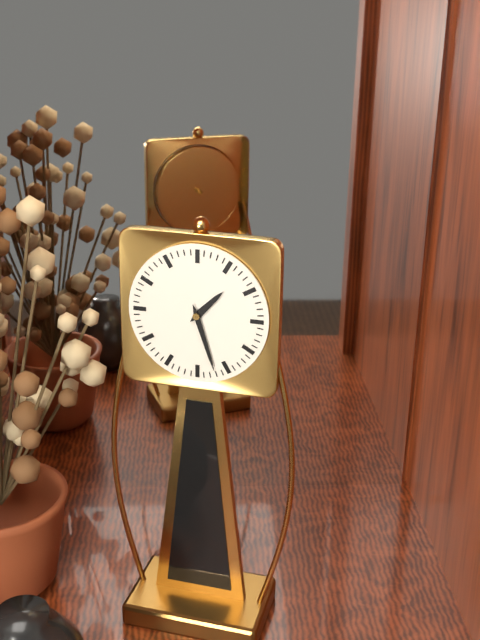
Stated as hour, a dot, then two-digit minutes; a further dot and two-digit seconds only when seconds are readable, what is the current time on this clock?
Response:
1.27
